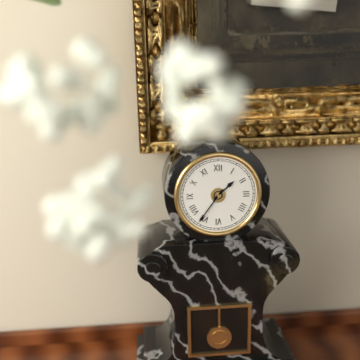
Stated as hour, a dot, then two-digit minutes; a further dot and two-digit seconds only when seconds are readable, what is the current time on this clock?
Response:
1.36
